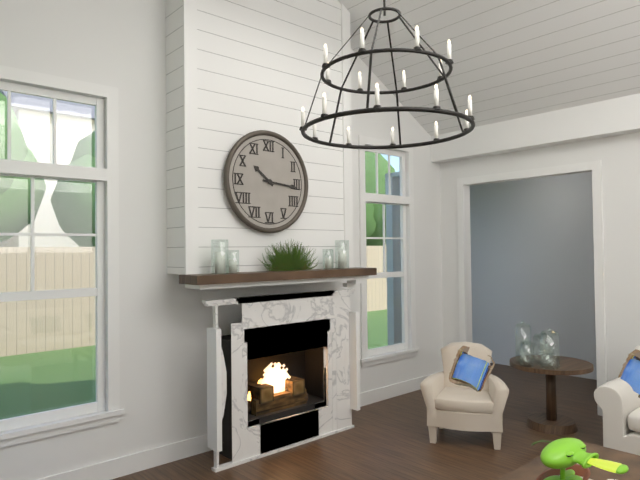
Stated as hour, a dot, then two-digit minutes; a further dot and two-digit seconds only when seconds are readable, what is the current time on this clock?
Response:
10.16
